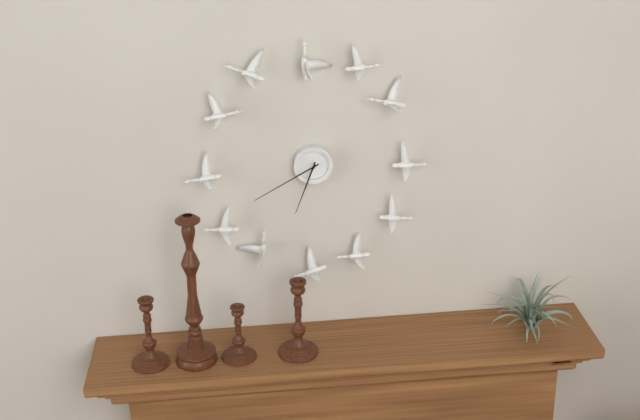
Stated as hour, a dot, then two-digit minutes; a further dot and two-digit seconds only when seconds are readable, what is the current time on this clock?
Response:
6.40
